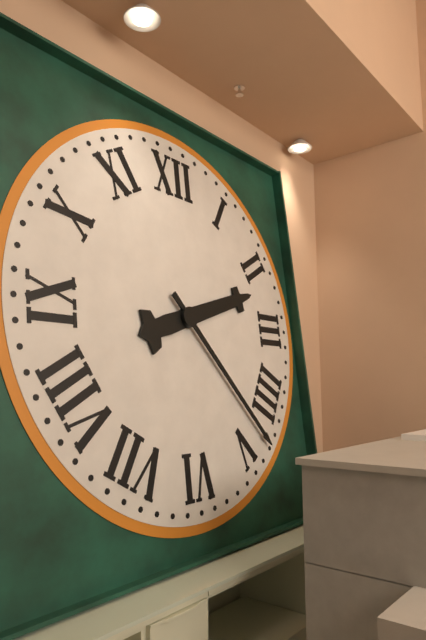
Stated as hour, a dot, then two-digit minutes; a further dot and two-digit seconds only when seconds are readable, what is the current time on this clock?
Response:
2.23
